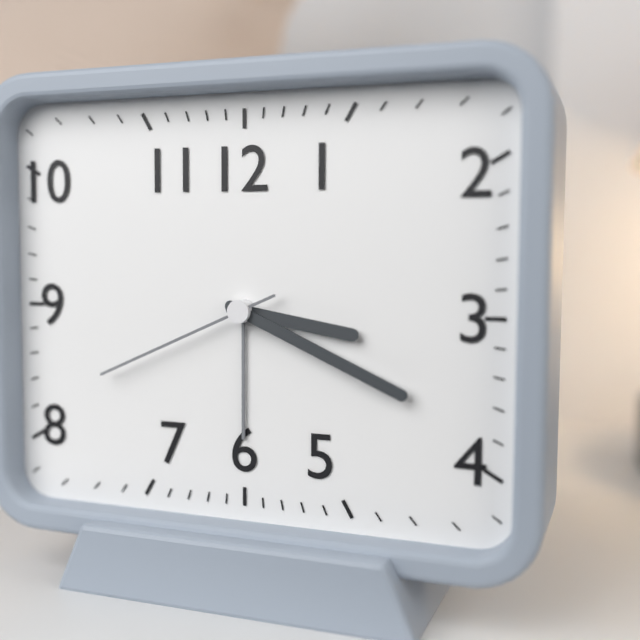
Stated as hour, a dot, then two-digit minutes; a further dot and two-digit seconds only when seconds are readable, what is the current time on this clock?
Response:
3.19.41
